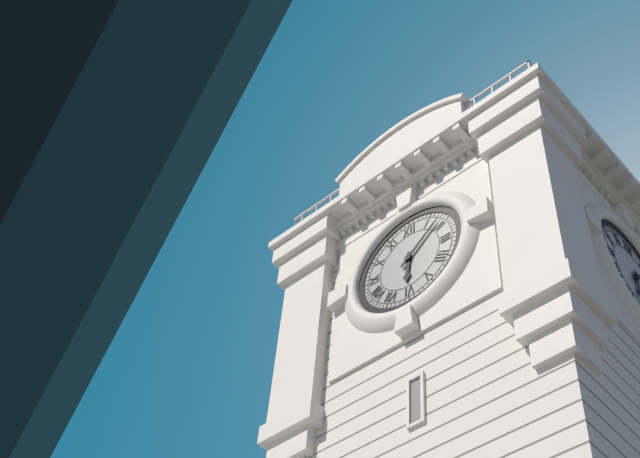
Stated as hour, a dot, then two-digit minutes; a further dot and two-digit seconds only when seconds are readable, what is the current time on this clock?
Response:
6.08
